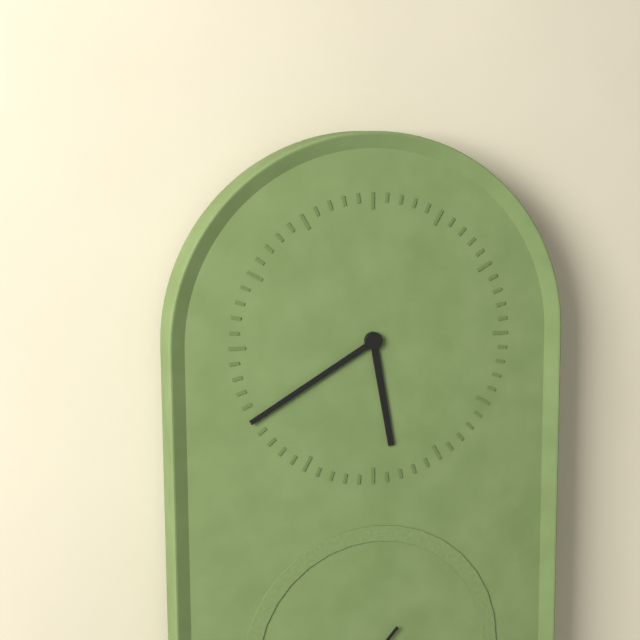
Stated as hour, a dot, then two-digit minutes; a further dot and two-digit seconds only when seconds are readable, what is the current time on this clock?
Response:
5.40
